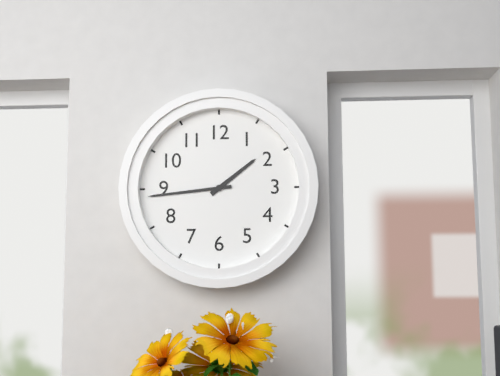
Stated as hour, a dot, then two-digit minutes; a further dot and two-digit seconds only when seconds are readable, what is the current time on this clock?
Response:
1.44
